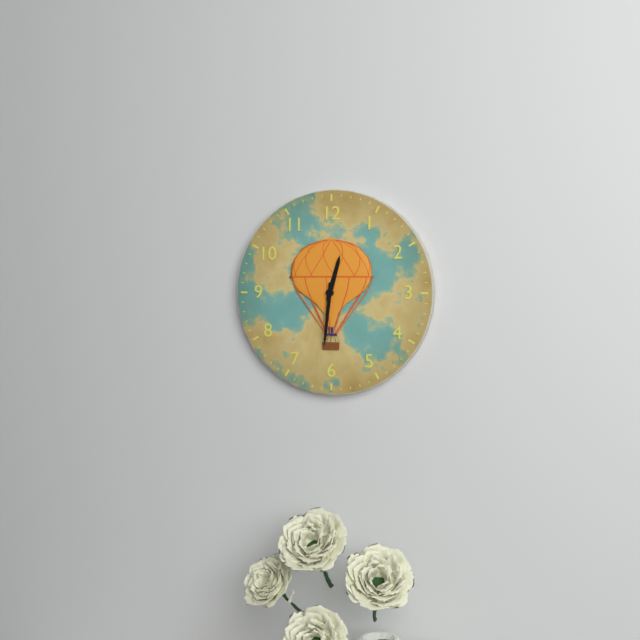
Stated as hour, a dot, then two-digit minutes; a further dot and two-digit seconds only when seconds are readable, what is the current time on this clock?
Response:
12.31
